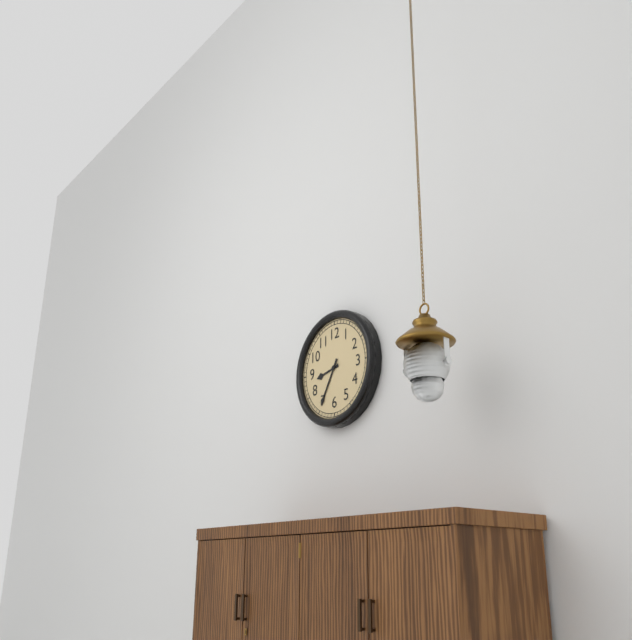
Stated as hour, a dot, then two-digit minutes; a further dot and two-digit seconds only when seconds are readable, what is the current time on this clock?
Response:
8.35
